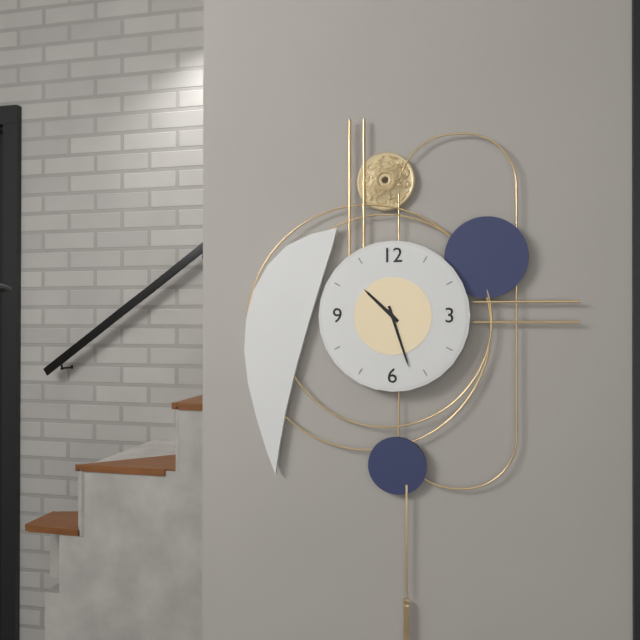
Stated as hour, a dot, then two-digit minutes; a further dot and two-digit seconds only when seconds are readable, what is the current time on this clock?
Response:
10.27
